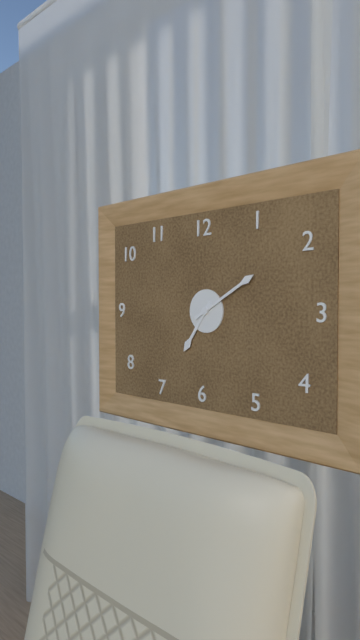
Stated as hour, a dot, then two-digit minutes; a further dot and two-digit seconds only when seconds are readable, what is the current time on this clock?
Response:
7.10
